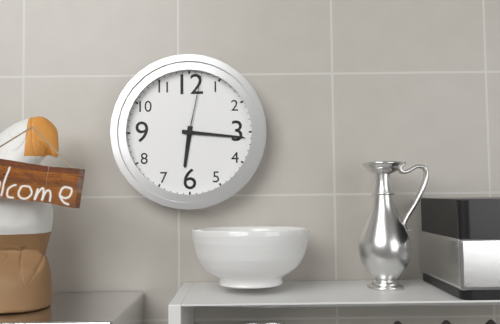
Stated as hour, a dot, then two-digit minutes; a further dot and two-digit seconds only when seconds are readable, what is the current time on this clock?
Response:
6.16.02
